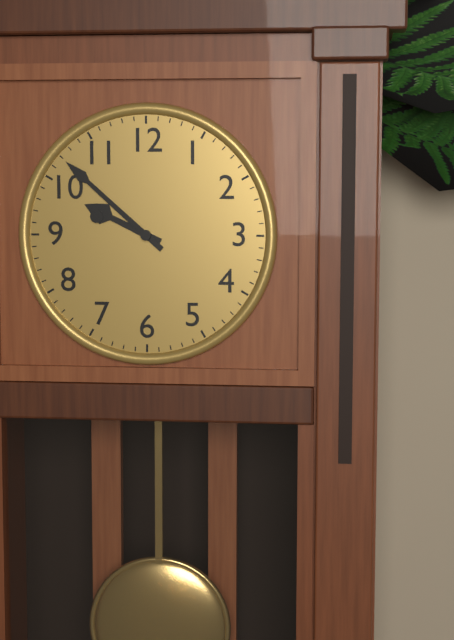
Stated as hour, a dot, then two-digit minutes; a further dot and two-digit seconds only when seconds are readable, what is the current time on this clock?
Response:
9.52
